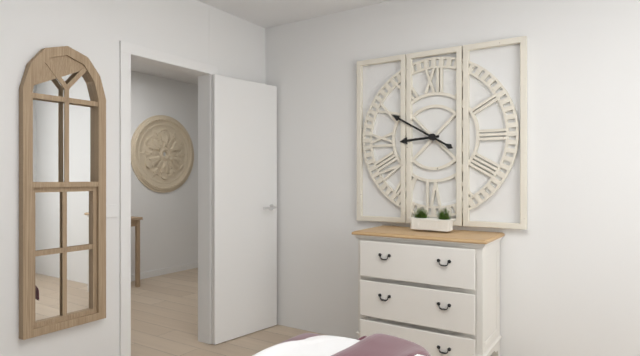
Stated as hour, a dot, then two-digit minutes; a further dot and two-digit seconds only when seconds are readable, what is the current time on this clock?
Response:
8.50
